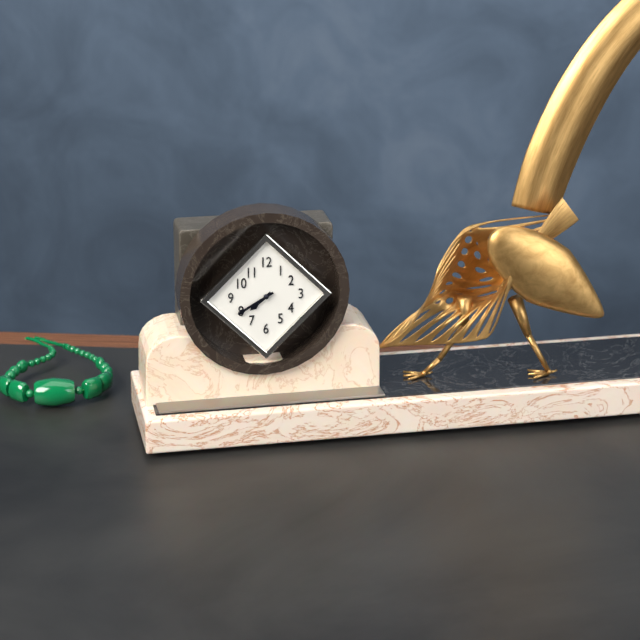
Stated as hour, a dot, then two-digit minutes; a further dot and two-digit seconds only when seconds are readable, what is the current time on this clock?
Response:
7.40
